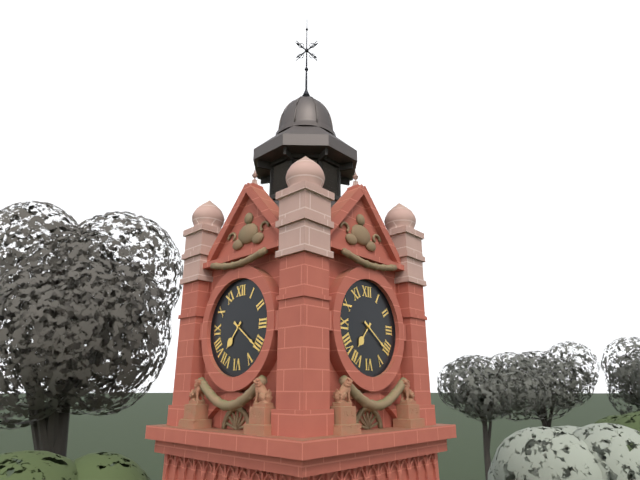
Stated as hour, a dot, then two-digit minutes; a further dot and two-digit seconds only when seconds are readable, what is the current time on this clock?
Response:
7.21
